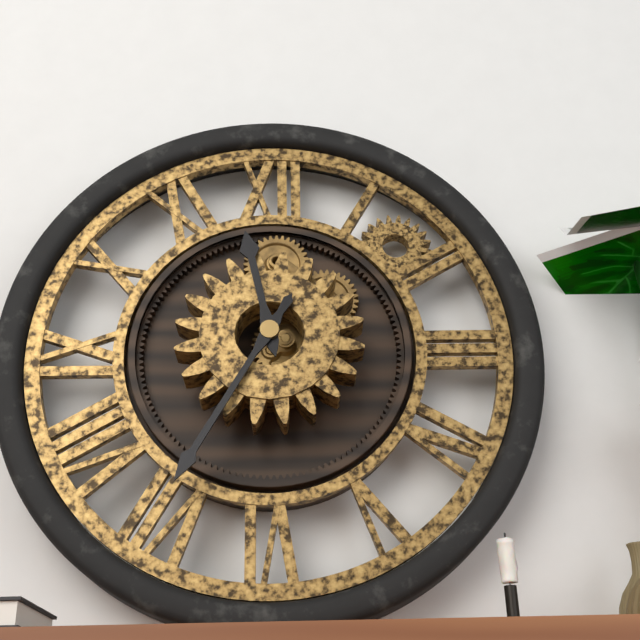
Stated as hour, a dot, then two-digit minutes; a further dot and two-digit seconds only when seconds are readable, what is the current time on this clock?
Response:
11.35
